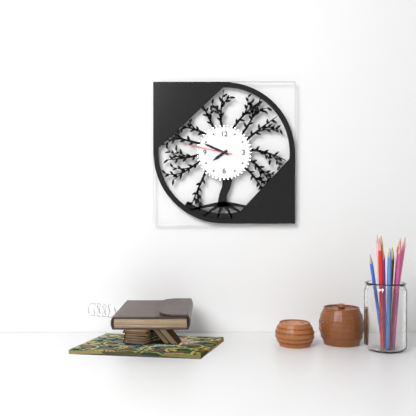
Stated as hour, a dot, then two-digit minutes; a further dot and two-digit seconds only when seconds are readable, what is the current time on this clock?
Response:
7.49
